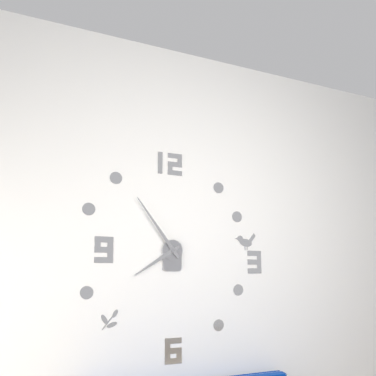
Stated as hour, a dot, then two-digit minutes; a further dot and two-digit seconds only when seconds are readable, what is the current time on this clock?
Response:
7.54
